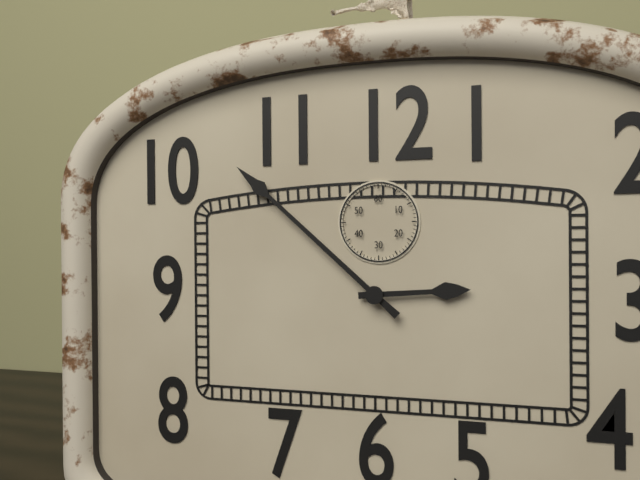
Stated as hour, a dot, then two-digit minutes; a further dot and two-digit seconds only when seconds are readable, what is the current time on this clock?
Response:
2.52
